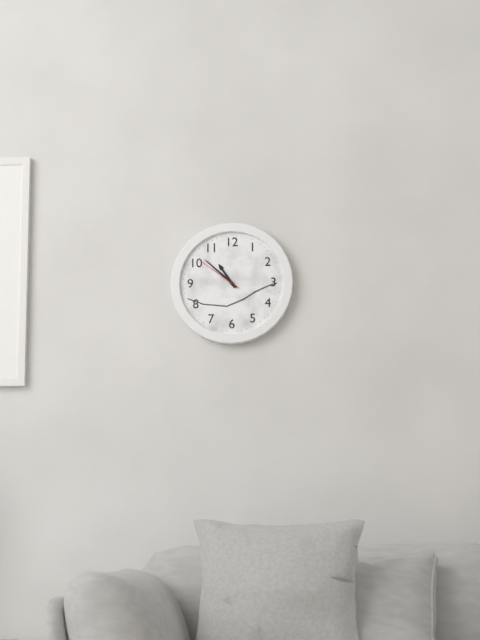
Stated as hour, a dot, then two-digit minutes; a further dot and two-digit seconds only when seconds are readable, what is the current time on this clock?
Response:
10.52
